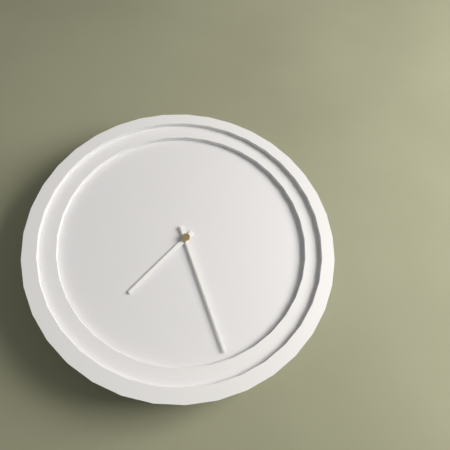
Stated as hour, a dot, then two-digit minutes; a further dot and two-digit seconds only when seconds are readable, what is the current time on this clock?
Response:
7.27
